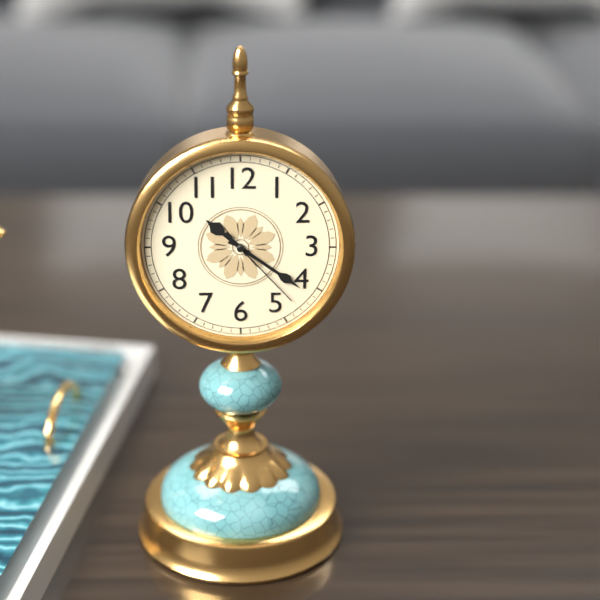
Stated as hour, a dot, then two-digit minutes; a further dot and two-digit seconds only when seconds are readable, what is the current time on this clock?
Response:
10.21.23
